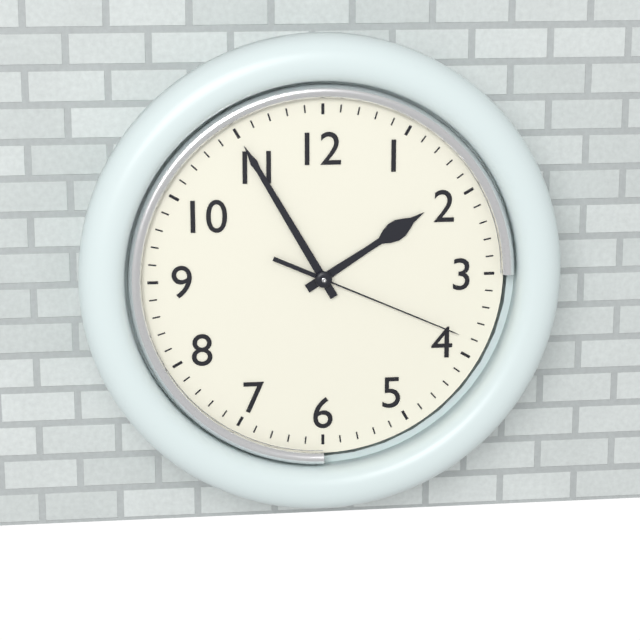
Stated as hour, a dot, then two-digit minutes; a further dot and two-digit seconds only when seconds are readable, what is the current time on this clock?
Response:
1.55.19
